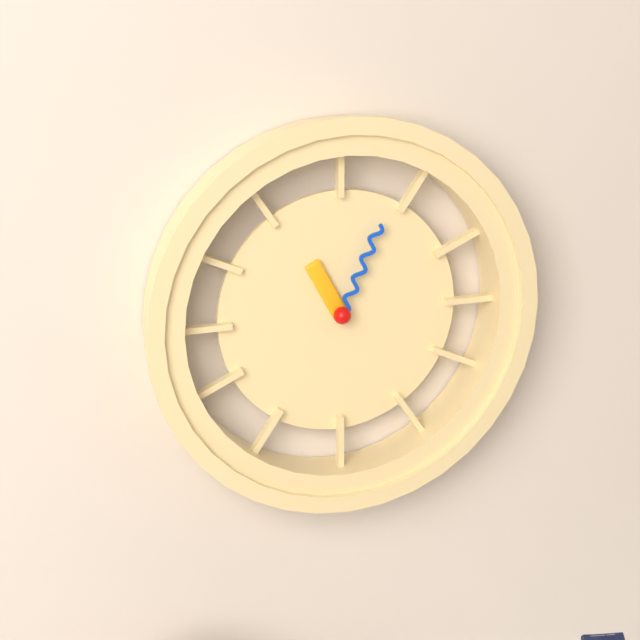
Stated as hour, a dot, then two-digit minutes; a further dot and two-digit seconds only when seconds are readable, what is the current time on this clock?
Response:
11.04
